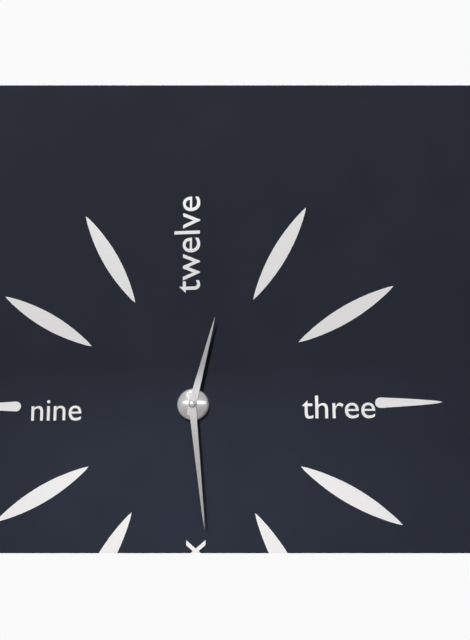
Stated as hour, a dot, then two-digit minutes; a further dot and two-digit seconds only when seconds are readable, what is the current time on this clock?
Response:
12.29
